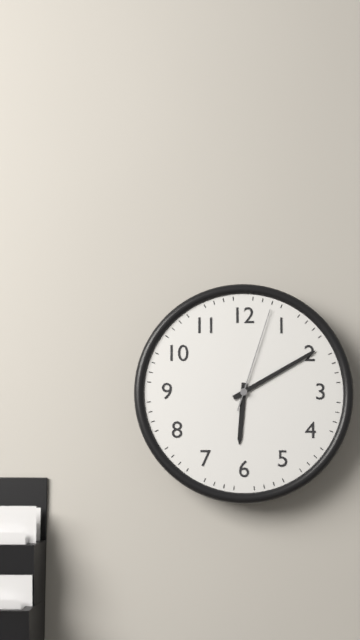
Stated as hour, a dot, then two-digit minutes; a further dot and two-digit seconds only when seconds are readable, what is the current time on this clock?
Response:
6.10.03
